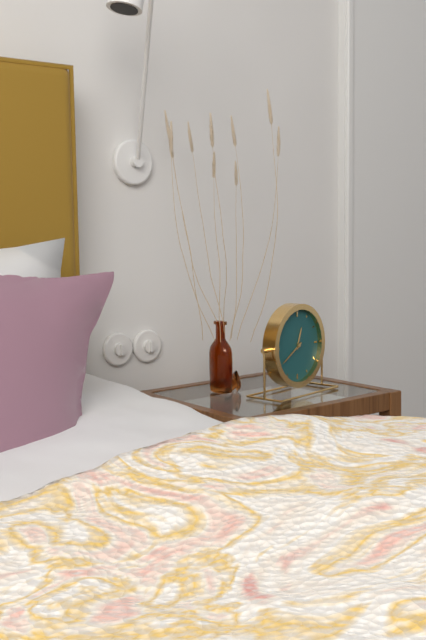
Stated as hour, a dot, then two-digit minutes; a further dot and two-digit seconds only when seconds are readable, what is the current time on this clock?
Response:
12.40
